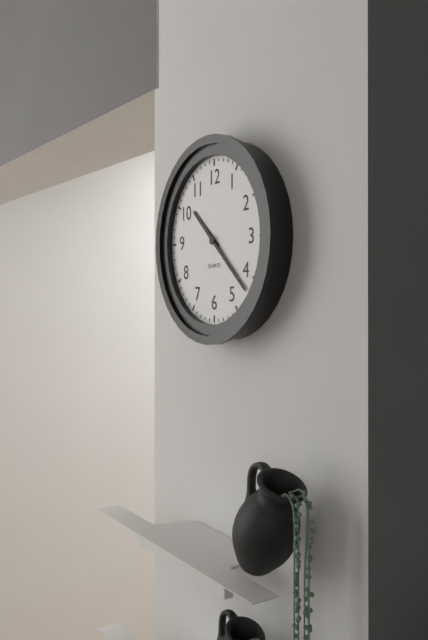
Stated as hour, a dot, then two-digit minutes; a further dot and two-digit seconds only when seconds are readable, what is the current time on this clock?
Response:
10.22
